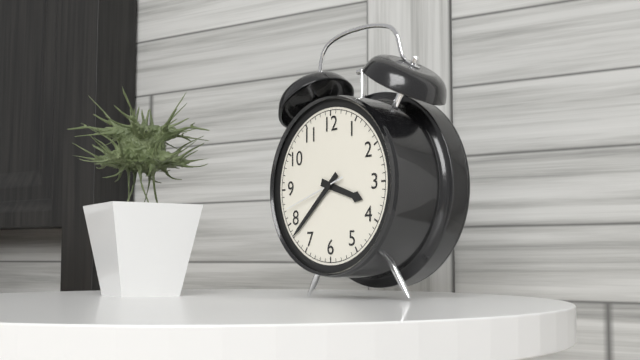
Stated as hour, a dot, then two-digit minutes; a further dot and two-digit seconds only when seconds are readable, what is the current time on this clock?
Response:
3.38.42
